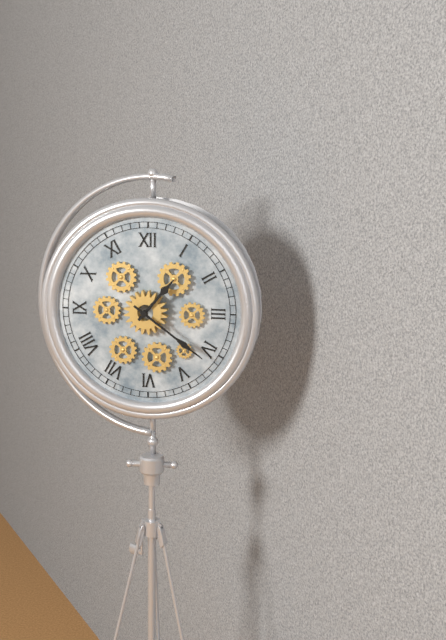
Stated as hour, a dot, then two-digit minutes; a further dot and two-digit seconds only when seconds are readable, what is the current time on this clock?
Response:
1.21
